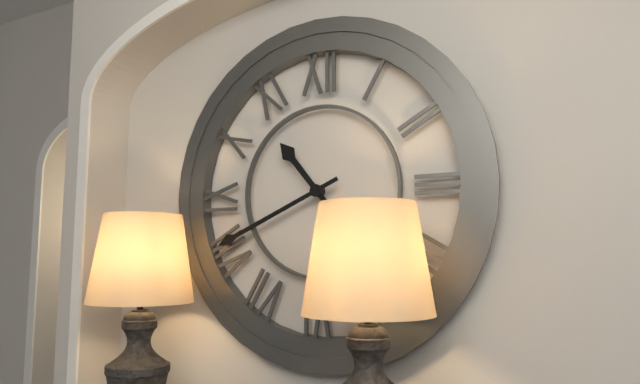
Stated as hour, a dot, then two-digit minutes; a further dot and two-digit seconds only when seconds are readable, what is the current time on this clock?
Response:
10.41
